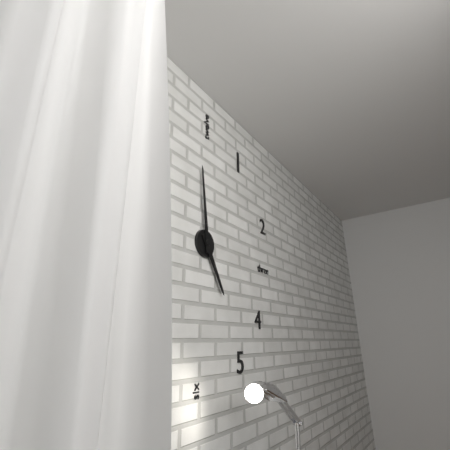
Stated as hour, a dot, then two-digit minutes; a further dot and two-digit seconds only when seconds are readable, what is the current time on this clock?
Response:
4.59
